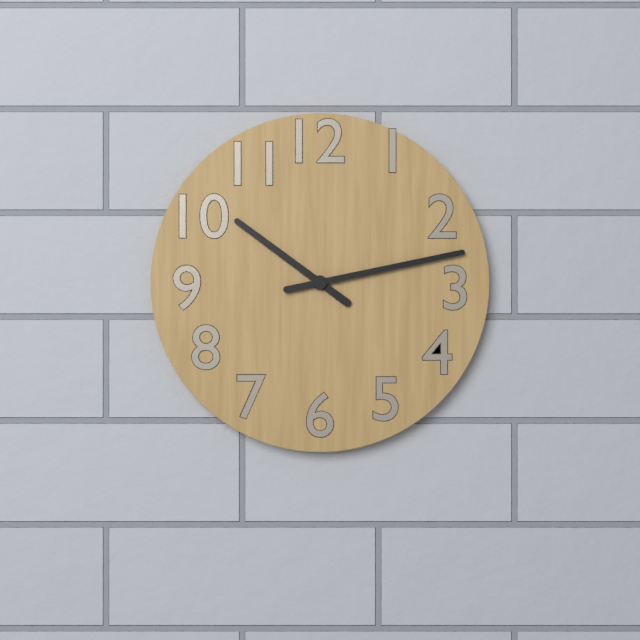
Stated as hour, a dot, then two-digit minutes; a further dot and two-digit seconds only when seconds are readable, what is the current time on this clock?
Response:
10.13
